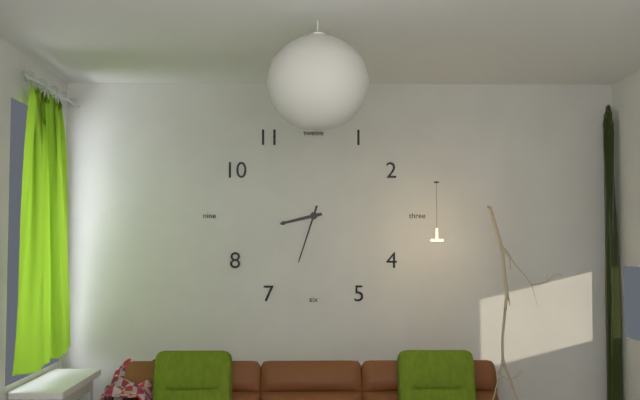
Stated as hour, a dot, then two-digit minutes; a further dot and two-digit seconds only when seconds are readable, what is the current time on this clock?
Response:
8.33
